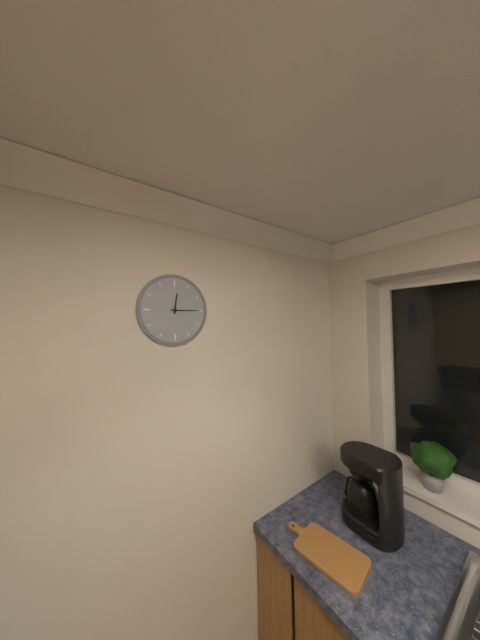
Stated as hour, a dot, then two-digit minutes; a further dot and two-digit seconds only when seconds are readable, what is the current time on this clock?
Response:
12.15
